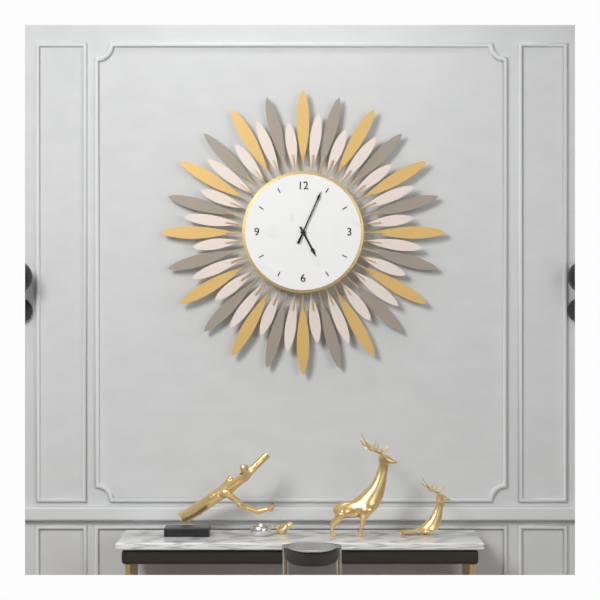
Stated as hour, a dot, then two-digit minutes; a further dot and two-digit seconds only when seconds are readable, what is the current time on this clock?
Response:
5.04
